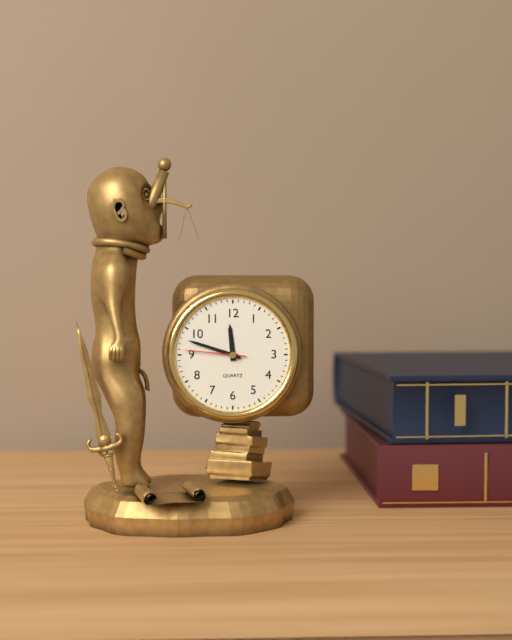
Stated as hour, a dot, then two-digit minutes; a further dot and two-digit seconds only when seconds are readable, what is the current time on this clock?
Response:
11.48.46
